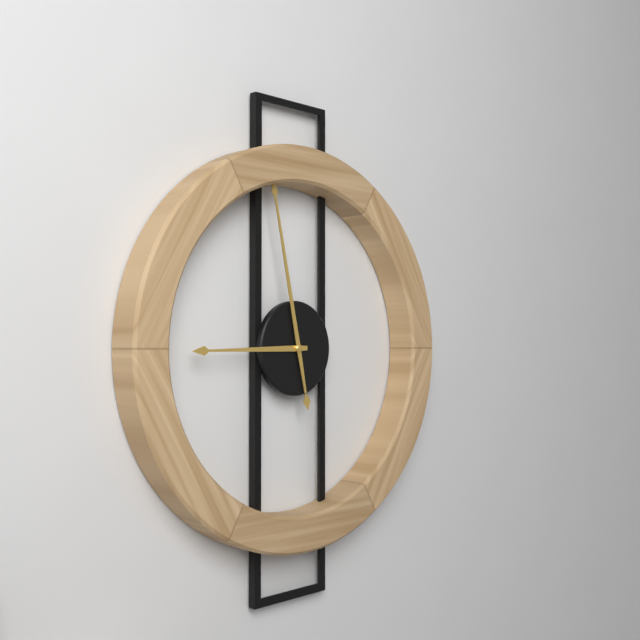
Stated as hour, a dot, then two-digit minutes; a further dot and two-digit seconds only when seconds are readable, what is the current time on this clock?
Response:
8.58
